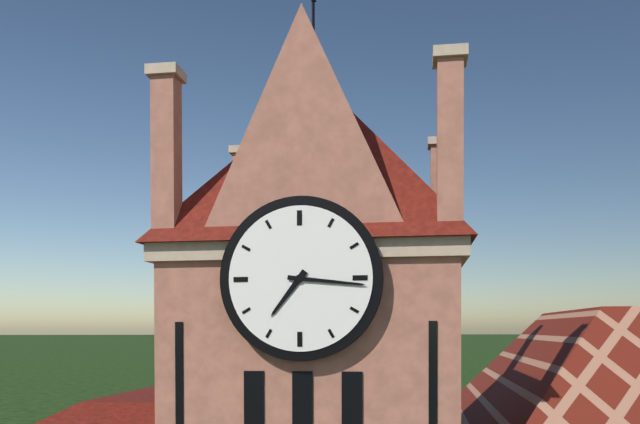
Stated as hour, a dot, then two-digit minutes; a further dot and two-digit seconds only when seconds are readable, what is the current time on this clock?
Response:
7.16
